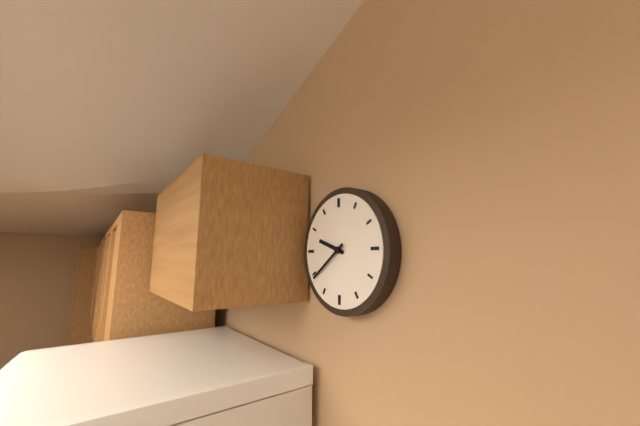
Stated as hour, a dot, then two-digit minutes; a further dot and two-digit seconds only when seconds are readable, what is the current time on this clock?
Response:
9.39
